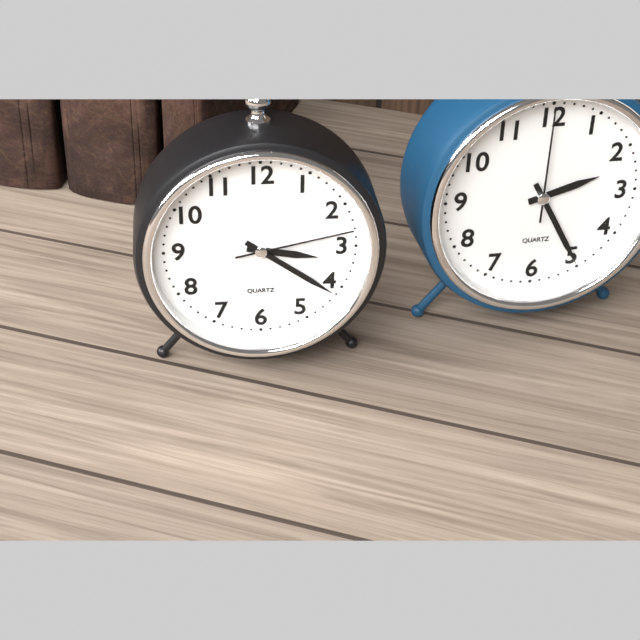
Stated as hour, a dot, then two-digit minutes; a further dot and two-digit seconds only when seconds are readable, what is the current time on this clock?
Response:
3.21.13
